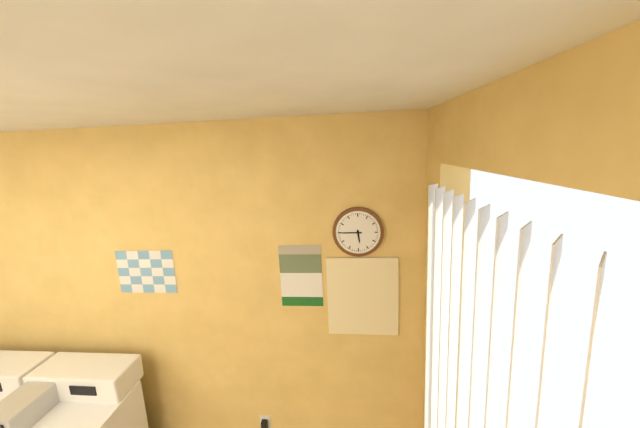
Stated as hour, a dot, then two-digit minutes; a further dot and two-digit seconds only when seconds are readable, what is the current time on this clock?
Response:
5.45
